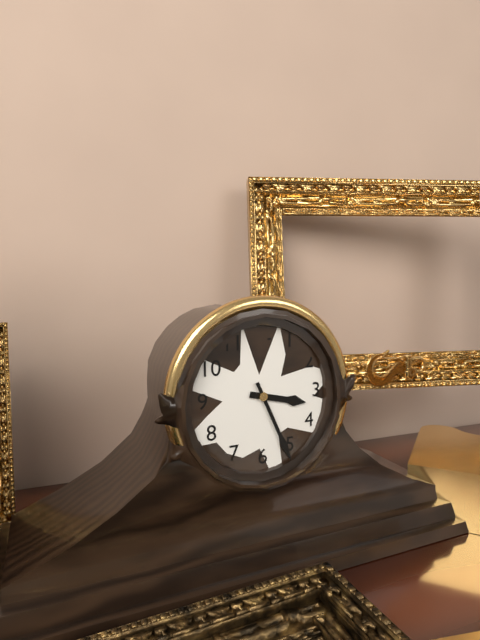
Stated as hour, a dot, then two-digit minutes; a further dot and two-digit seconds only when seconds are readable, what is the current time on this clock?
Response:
3.26
